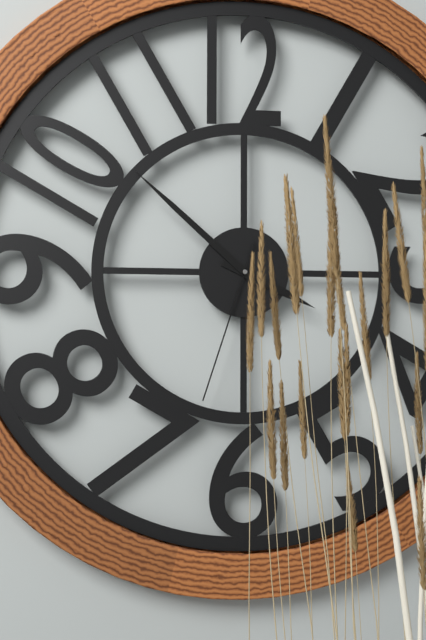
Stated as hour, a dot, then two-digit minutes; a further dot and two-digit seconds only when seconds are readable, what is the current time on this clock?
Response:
3.52.33
